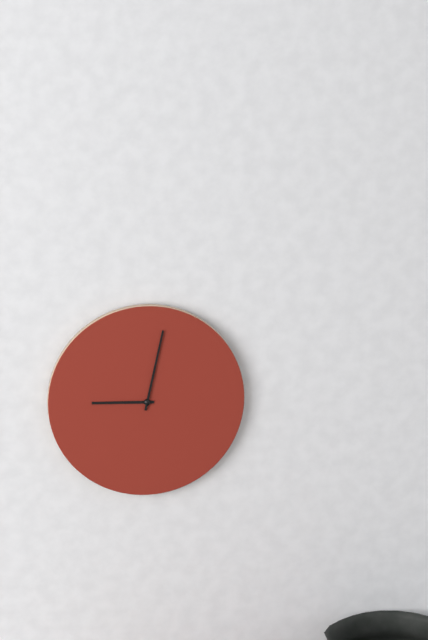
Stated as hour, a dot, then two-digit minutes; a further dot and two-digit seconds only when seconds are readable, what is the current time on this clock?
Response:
9.02
